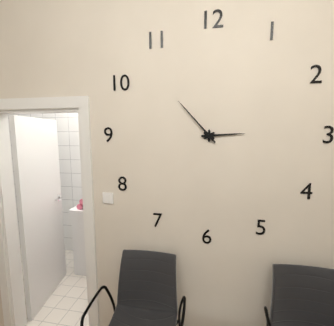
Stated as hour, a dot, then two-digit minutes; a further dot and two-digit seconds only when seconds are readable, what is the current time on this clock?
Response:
2.53
